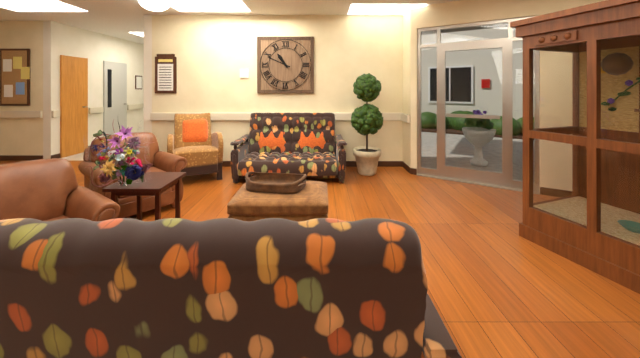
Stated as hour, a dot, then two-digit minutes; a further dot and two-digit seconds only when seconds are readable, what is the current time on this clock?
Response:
10.49
